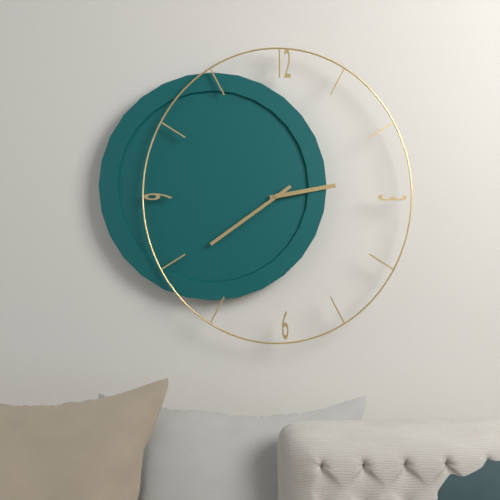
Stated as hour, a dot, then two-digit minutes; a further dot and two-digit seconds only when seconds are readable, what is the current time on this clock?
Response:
2.39
